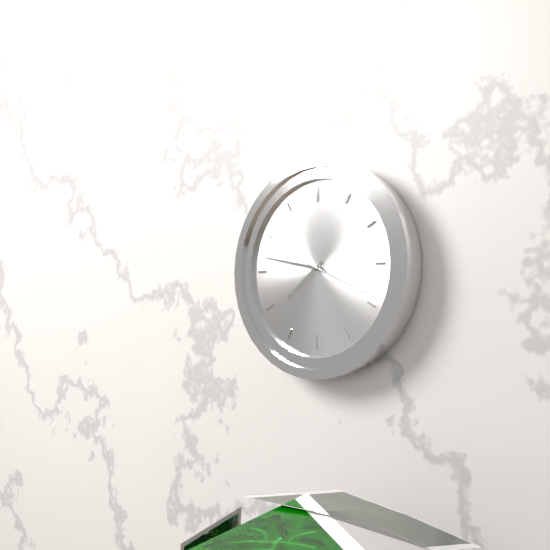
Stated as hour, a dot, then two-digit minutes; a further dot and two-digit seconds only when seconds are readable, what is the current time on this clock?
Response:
7.47.19
